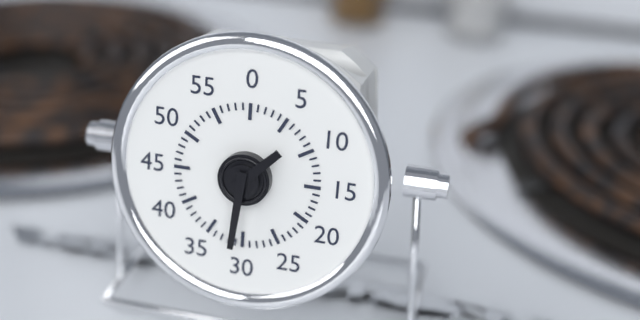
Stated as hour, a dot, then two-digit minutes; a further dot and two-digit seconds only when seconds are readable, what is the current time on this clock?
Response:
1.31
